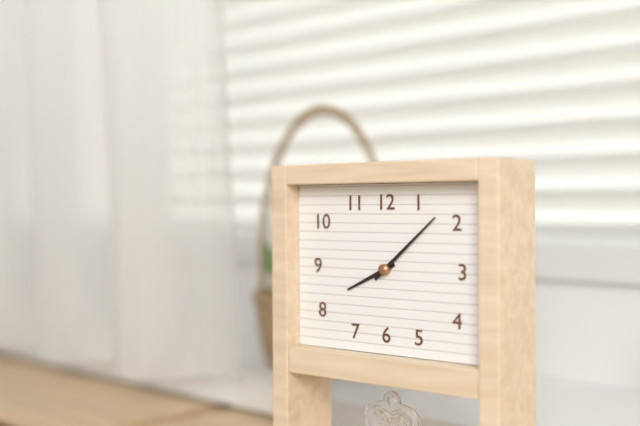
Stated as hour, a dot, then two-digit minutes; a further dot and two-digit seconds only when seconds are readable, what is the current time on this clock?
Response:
8.08
